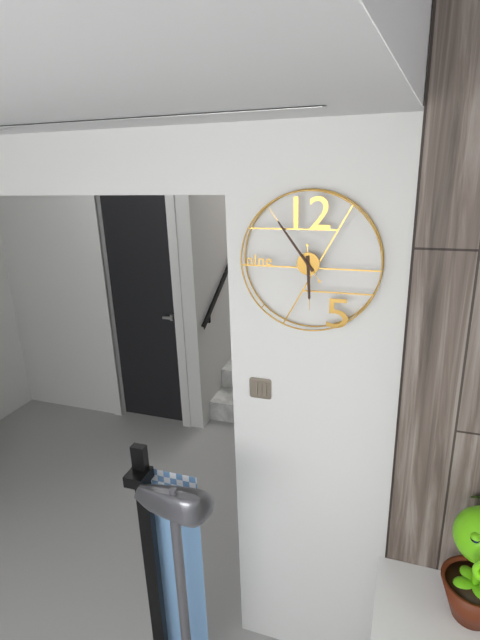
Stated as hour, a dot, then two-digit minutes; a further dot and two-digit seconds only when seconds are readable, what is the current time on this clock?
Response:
5.54
